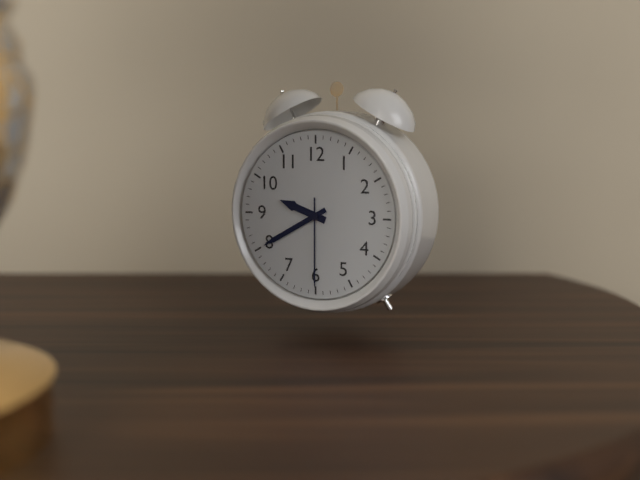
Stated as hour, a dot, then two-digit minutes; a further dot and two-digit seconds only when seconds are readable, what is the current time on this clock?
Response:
9.40.30
